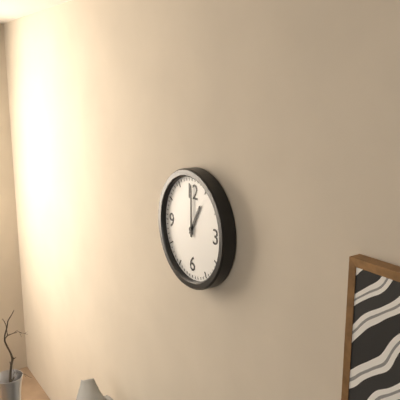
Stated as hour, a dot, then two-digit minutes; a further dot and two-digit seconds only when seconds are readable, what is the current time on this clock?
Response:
1.00
